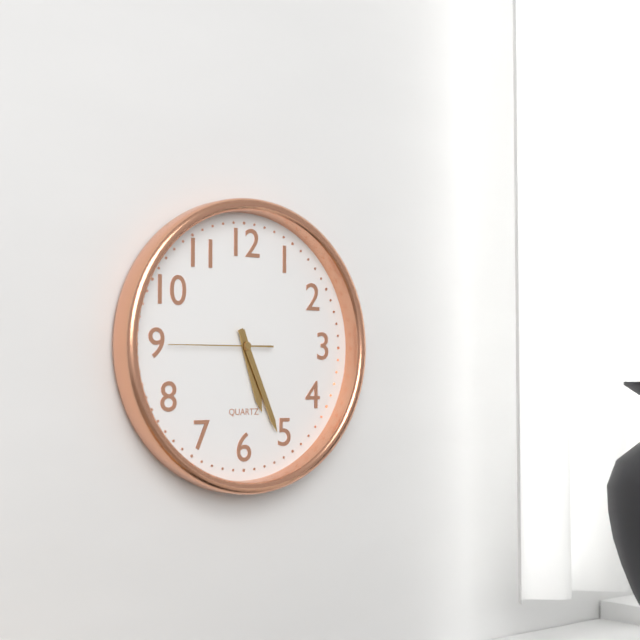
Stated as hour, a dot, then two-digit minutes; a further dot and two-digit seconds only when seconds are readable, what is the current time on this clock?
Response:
5.26.45
